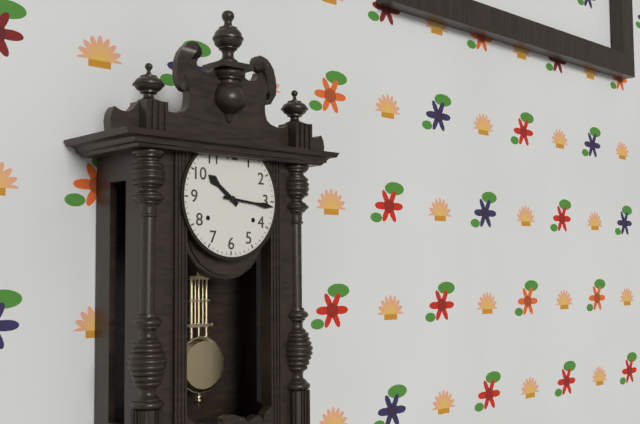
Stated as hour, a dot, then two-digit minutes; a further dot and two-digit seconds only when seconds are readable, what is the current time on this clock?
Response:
10.16
